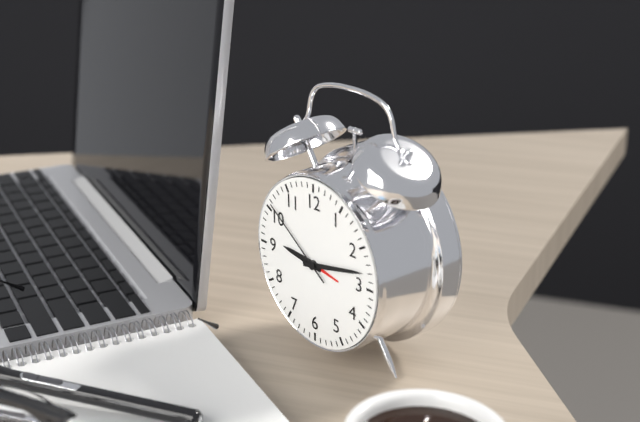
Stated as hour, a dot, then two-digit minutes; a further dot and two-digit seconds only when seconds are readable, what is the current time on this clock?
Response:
9.13.51
